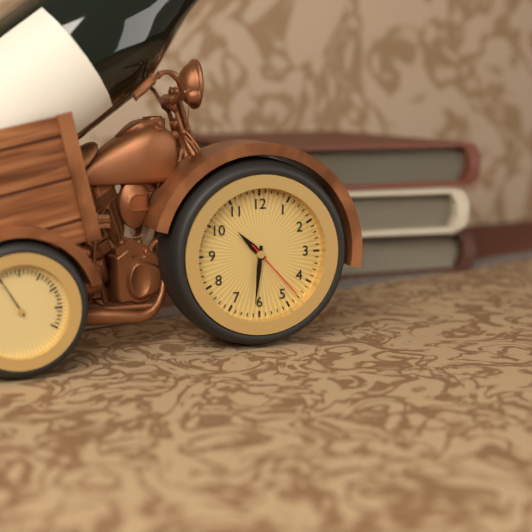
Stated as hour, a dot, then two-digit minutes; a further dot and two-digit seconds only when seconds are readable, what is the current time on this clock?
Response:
10.31.23
